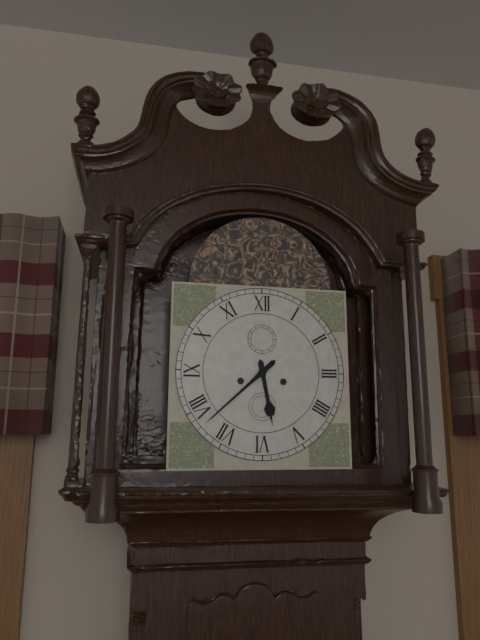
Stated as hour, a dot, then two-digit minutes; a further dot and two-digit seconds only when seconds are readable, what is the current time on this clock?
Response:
5.38
